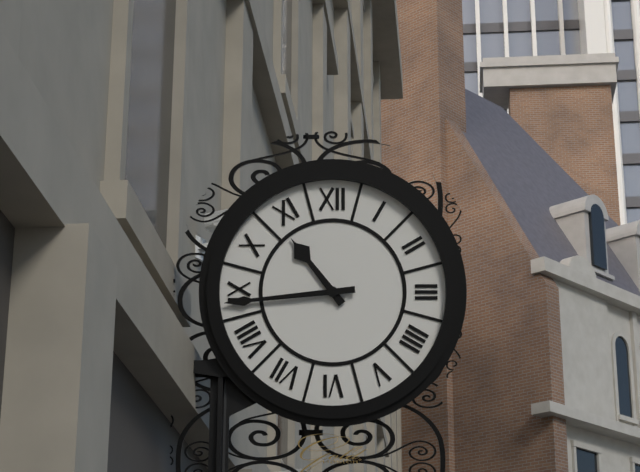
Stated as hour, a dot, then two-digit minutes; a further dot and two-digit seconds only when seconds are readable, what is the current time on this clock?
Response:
10.44
